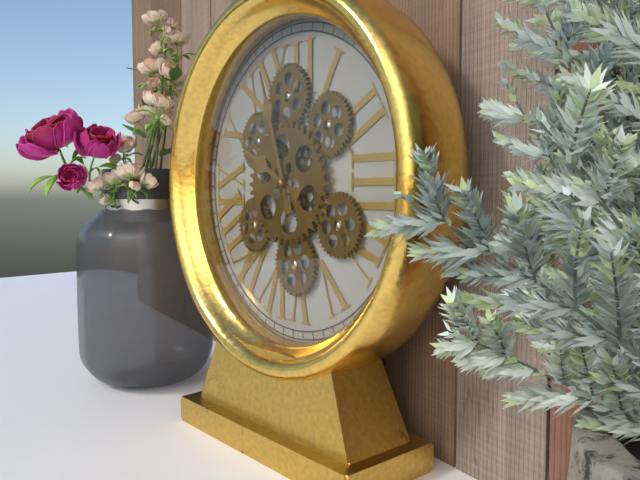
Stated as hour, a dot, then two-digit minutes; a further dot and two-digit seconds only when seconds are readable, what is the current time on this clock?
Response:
9.57
